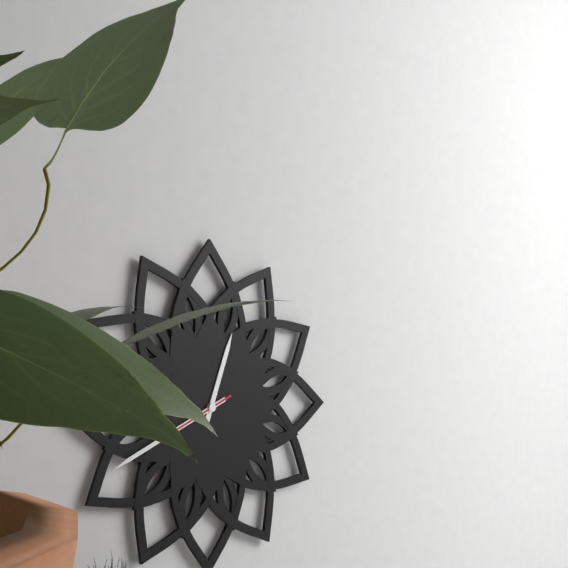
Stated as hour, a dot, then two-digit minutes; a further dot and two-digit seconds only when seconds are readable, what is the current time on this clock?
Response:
12.41.41
